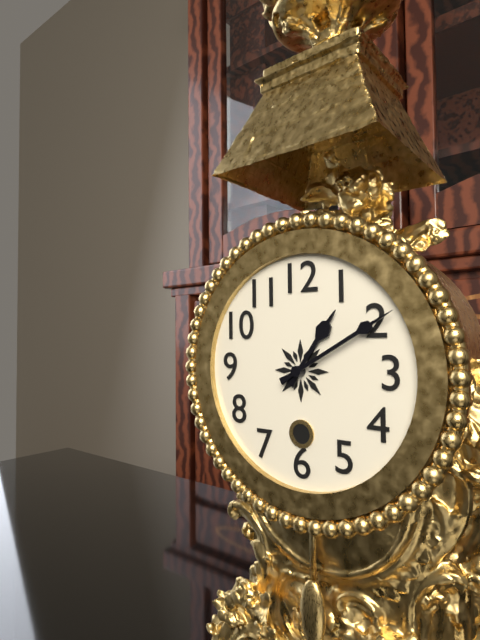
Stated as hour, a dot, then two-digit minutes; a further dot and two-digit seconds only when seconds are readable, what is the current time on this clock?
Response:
1.10
